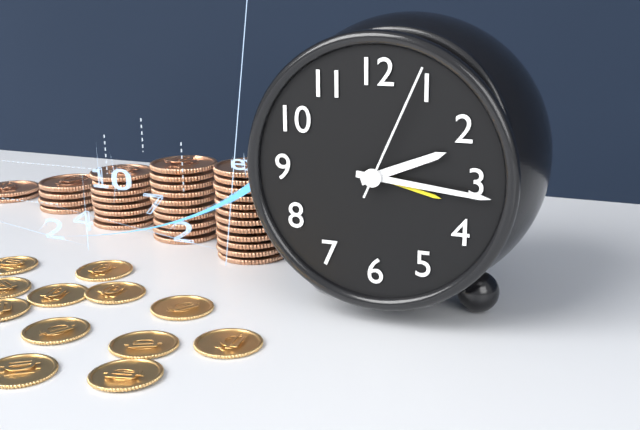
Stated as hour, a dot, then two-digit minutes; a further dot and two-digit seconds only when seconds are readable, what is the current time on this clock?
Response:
2.16.04
